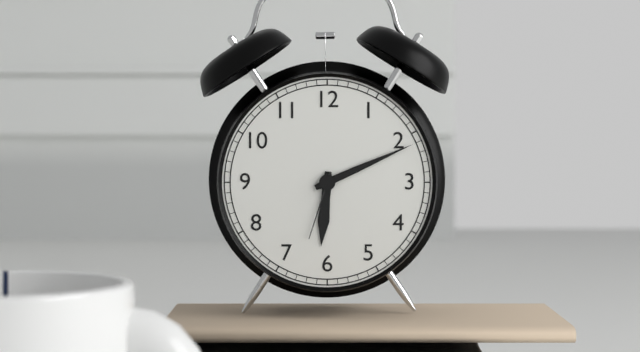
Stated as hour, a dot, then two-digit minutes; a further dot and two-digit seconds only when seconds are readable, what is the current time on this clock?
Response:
6.11.33
